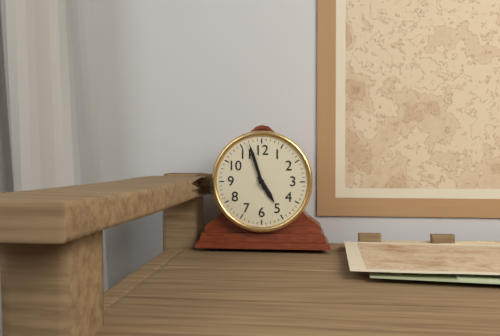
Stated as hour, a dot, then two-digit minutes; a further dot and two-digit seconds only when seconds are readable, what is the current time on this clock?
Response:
4.57
